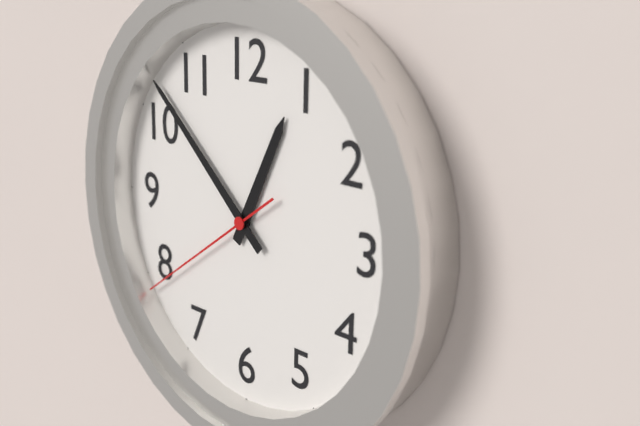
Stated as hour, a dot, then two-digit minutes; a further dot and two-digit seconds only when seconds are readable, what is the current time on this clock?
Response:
12.52.39
